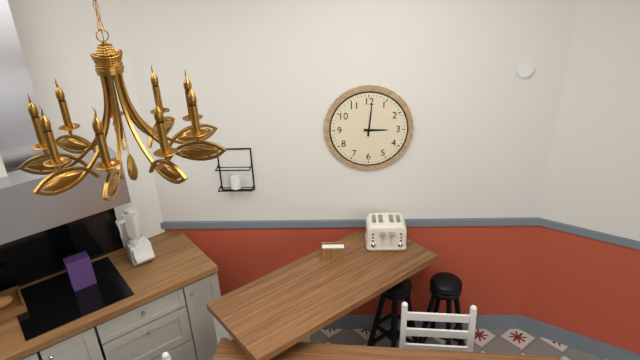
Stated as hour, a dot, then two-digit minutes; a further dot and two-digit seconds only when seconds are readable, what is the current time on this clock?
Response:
3.01
